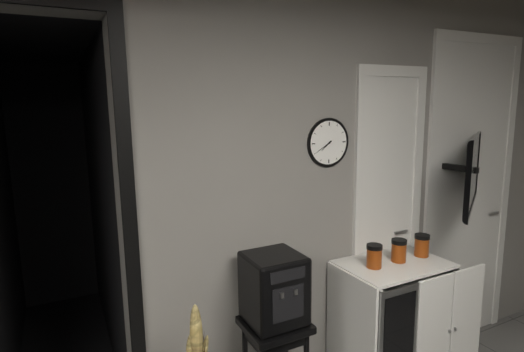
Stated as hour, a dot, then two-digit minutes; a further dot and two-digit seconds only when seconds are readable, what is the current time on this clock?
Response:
7.40
